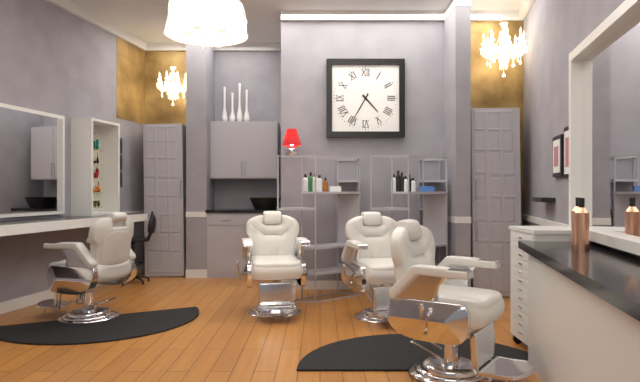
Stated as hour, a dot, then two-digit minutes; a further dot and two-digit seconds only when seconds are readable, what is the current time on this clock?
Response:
4.35
